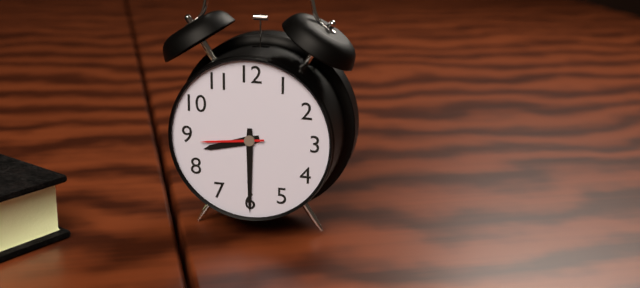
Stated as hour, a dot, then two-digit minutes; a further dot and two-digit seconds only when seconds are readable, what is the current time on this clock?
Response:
8.30.44
